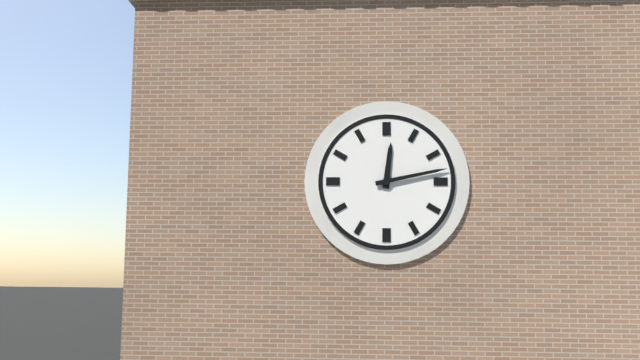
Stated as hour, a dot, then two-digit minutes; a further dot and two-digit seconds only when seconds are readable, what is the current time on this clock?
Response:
12.13
